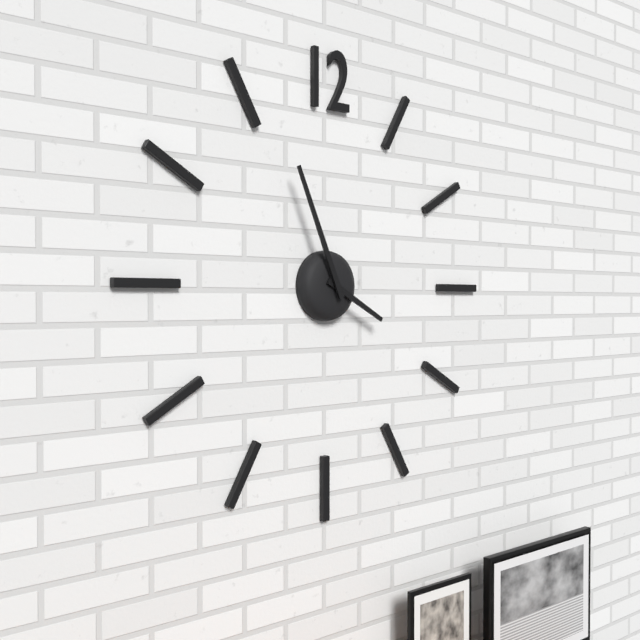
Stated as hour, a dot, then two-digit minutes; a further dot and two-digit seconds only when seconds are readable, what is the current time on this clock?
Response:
3.56
